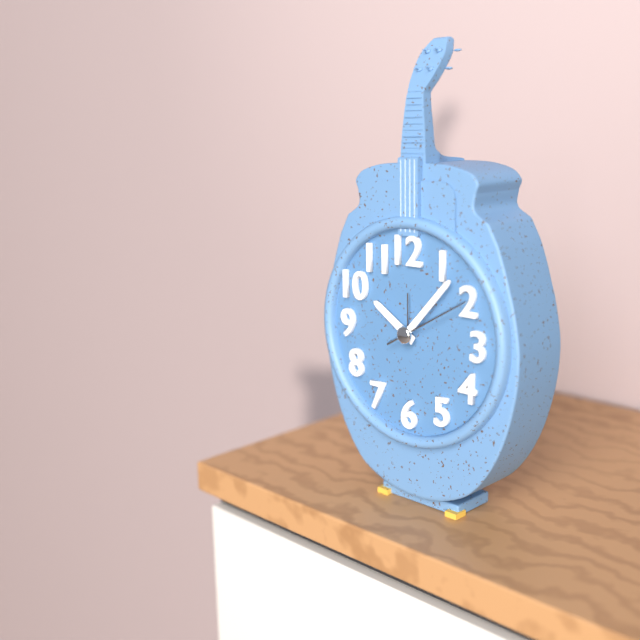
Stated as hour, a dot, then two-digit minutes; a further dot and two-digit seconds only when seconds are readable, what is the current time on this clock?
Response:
10.07.10
